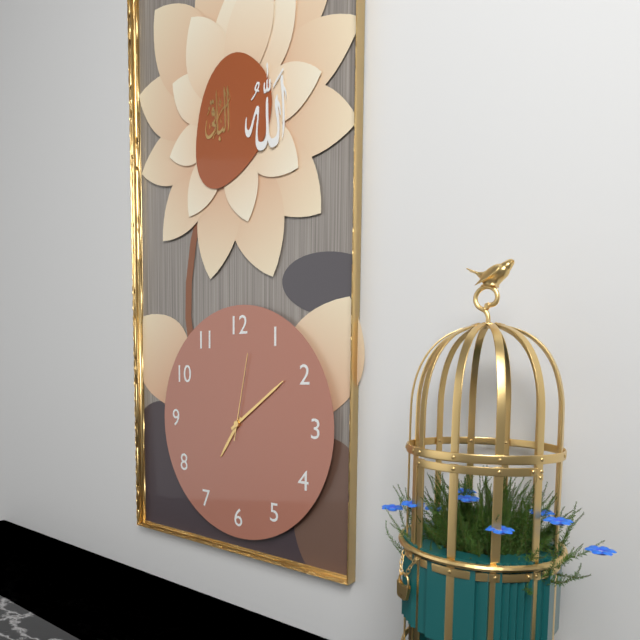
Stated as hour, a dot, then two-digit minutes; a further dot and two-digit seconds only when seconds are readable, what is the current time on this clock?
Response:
7.09.02
